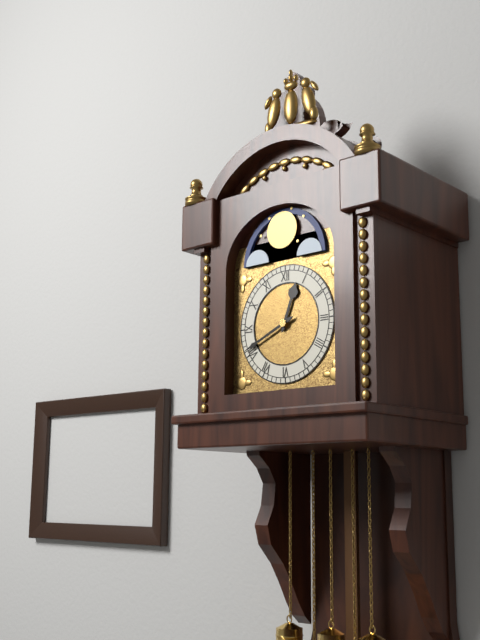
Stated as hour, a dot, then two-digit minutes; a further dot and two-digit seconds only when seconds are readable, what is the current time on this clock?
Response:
12.41
